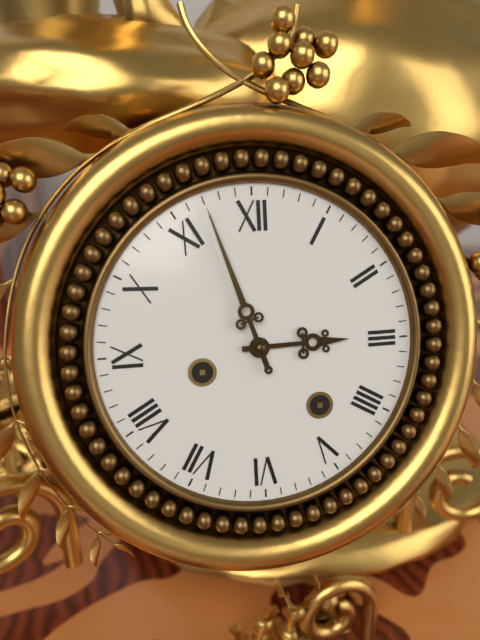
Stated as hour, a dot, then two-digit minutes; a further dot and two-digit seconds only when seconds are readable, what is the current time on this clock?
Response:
2.57
